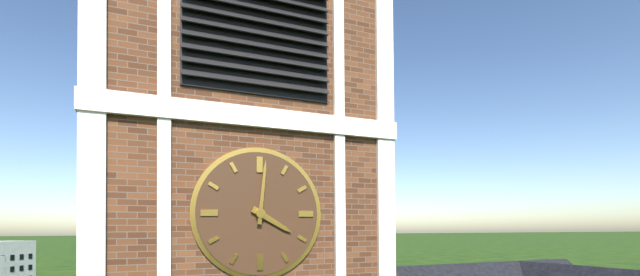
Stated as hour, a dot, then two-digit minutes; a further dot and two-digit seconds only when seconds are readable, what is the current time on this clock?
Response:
4.01
